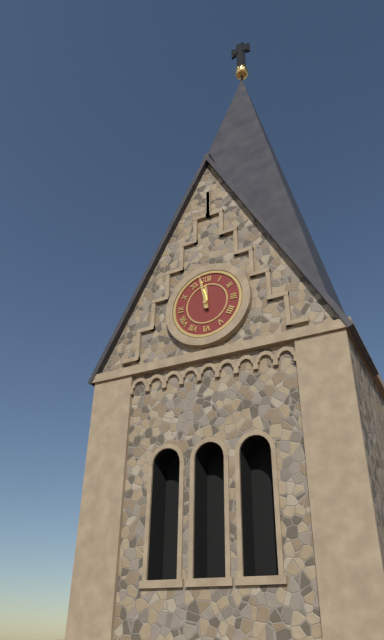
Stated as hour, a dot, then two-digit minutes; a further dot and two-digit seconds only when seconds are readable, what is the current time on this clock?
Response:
11.58
